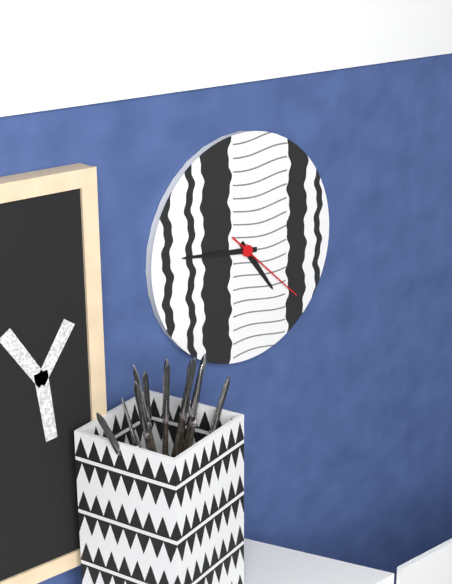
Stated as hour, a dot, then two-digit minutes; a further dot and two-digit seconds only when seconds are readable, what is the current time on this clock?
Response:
4.46.22
